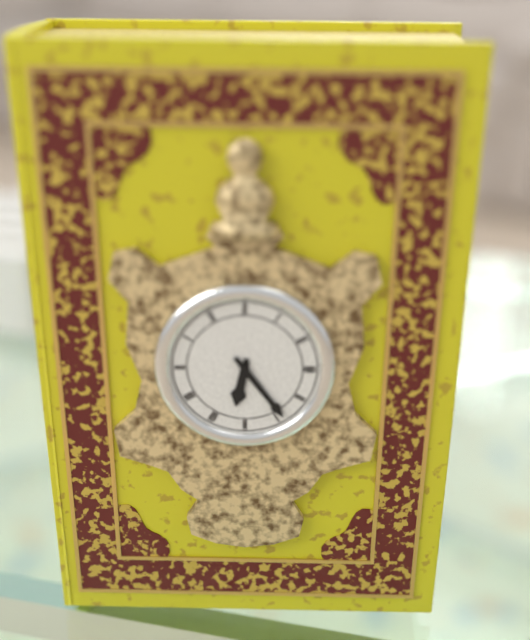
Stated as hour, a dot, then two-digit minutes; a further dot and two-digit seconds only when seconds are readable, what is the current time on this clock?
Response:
6.24
